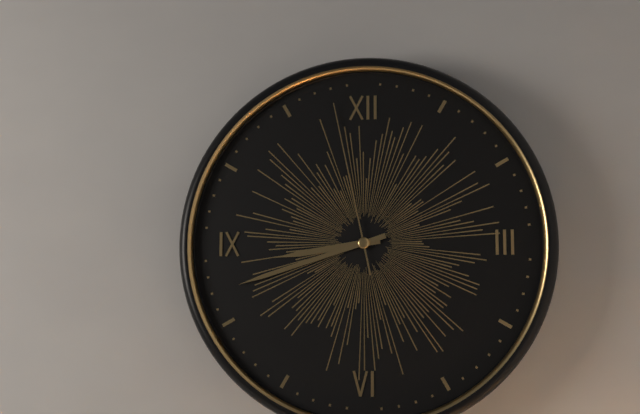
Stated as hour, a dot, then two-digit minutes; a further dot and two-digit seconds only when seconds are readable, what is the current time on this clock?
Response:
8.42.58
